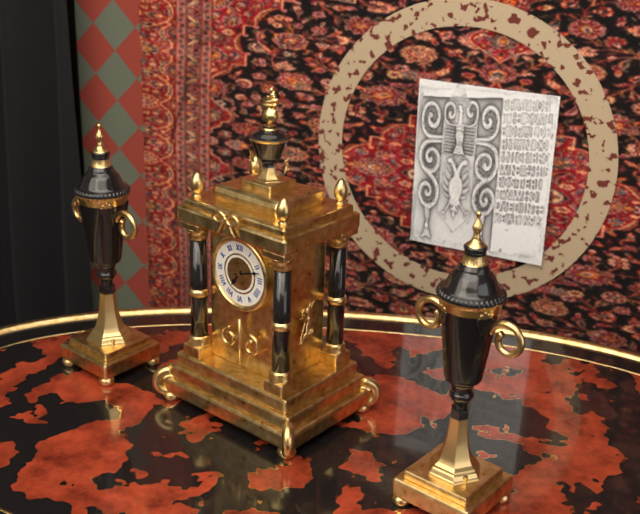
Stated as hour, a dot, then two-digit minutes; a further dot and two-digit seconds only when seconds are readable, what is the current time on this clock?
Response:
7.12
